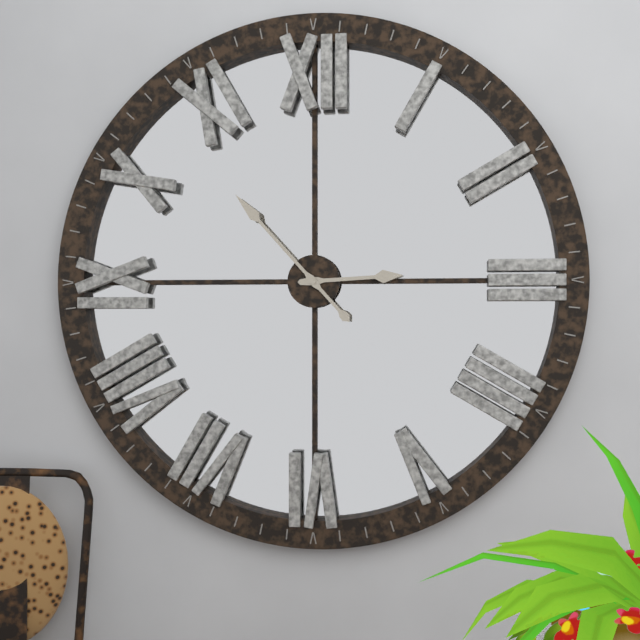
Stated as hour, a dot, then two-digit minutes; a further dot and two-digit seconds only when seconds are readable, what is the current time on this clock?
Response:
2.53
